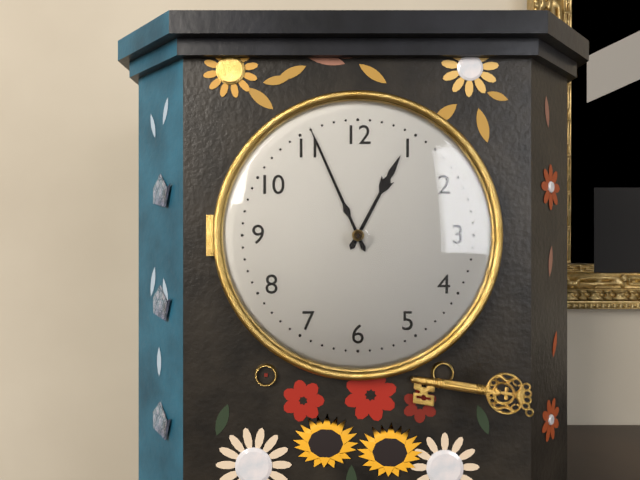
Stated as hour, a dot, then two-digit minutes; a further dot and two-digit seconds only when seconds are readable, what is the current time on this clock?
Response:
12.56
